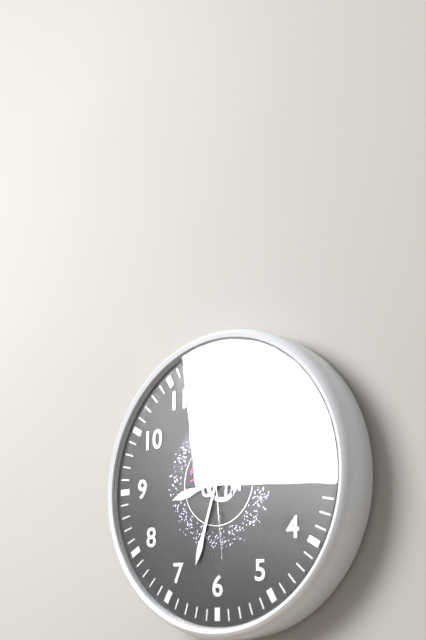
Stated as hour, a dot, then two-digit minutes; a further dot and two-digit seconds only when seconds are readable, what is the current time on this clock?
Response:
8.33.29
